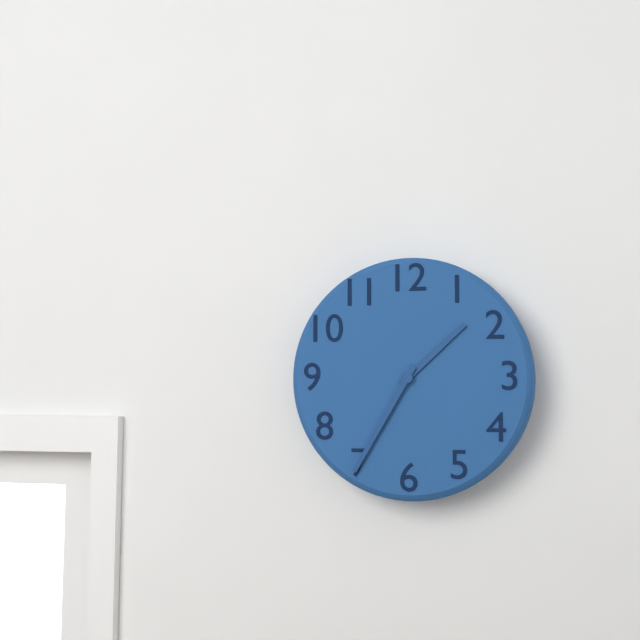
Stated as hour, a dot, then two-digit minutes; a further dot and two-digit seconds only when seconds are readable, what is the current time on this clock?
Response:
1.35
